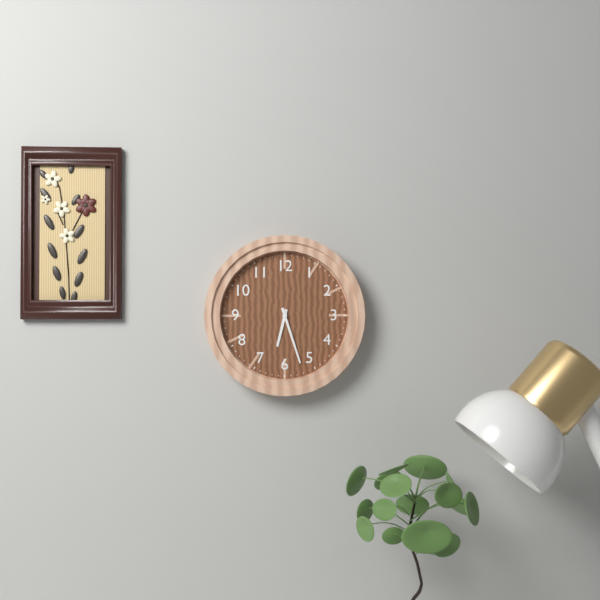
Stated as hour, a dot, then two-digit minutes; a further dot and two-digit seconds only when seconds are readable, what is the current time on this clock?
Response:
6.27
